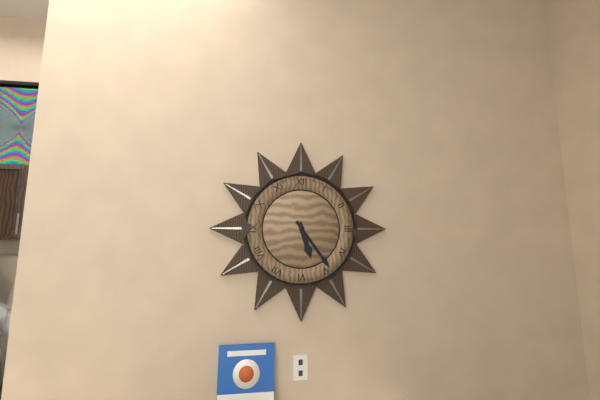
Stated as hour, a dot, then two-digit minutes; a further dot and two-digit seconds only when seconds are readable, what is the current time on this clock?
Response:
5.24
